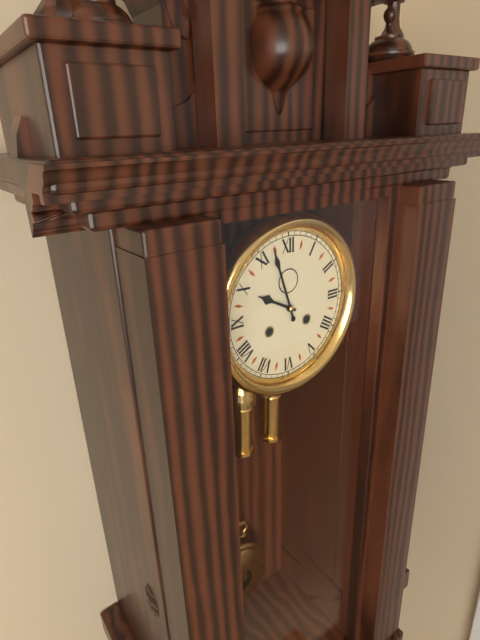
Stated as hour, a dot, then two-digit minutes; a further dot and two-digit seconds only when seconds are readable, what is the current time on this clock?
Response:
9.57
